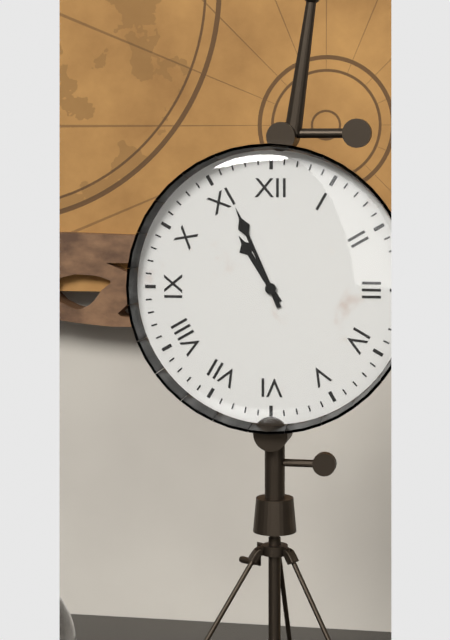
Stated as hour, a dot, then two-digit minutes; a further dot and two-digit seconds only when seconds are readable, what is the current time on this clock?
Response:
10.56
